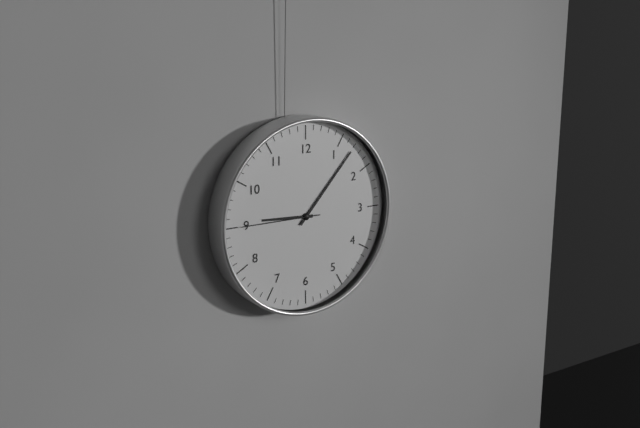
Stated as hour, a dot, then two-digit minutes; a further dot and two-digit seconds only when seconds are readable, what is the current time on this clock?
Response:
9.07.45
